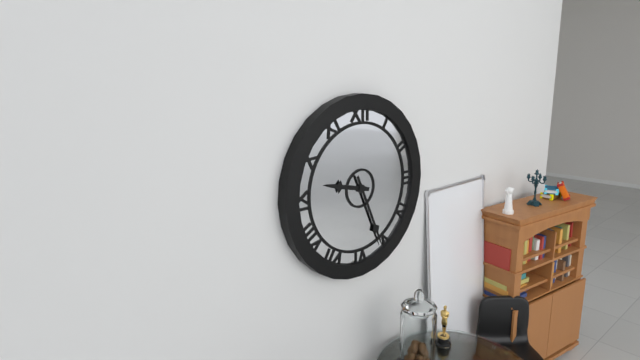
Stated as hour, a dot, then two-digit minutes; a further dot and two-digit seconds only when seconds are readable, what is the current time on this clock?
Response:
9.26
